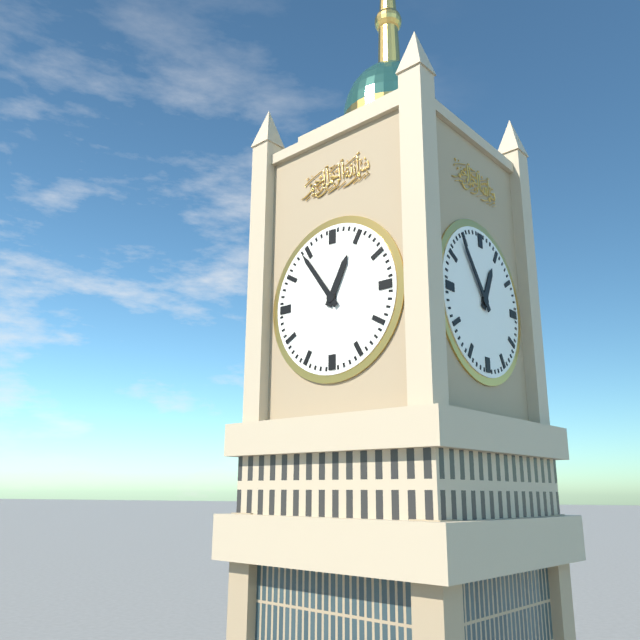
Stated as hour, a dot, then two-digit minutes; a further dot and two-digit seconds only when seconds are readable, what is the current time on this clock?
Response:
12.54
